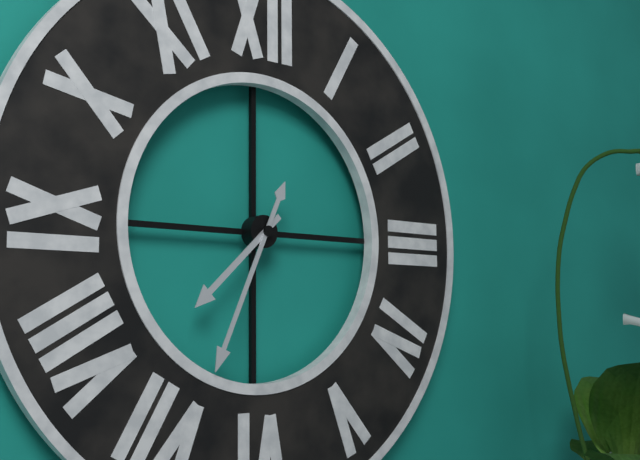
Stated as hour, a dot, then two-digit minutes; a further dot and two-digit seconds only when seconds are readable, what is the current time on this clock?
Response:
7.34
